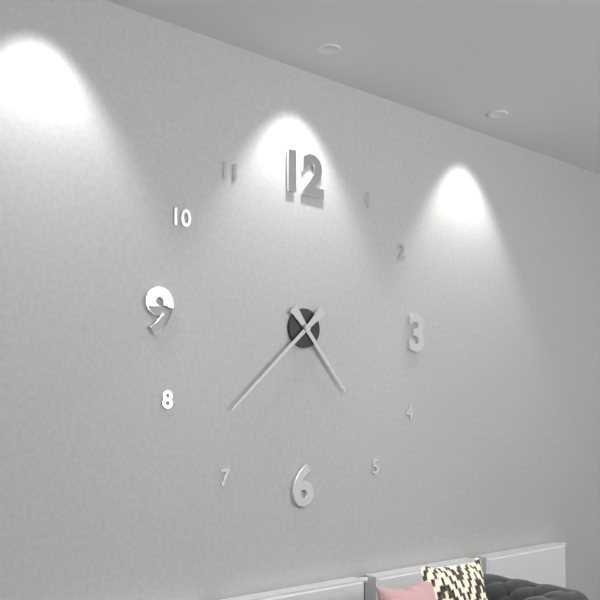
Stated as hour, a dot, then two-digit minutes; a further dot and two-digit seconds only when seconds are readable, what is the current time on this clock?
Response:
4.38
